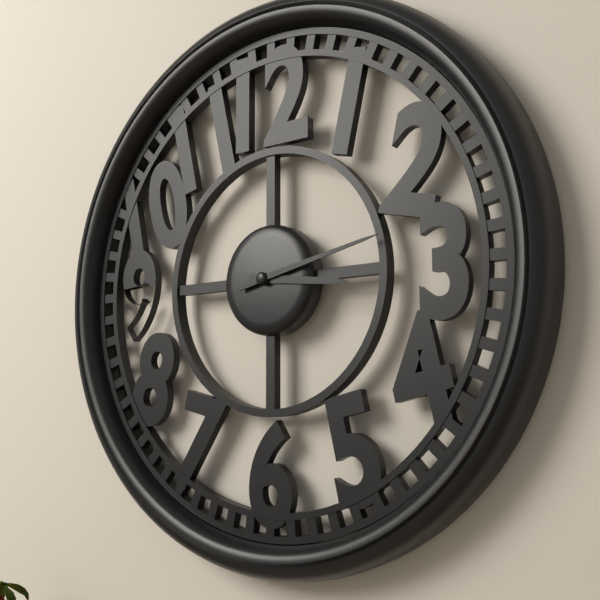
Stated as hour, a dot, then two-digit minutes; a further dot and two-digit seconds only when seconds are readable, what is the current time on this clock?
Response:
3.13
